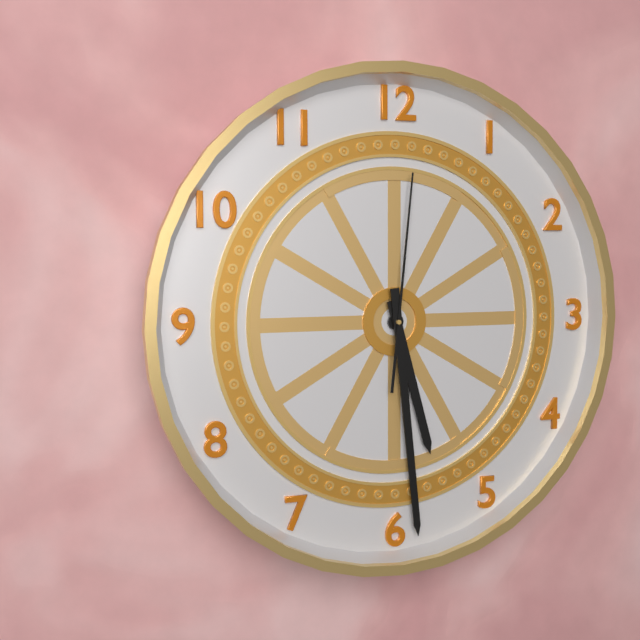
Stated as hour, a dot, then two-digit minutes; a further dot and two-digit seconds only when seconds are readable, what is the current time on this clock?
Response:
5.29.01
